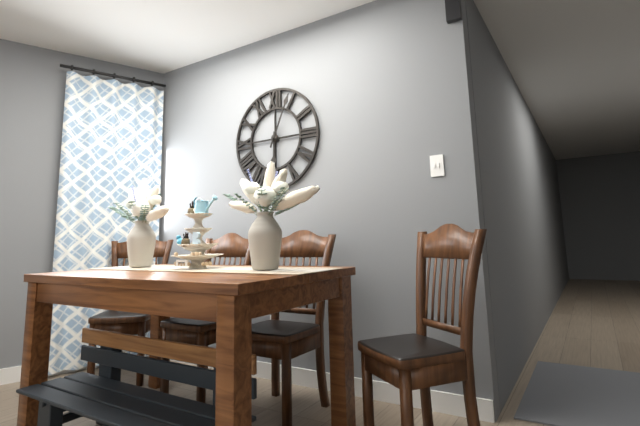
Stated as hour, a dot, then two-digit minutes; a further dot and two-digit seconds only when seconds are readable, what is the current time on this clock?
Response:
6.04
